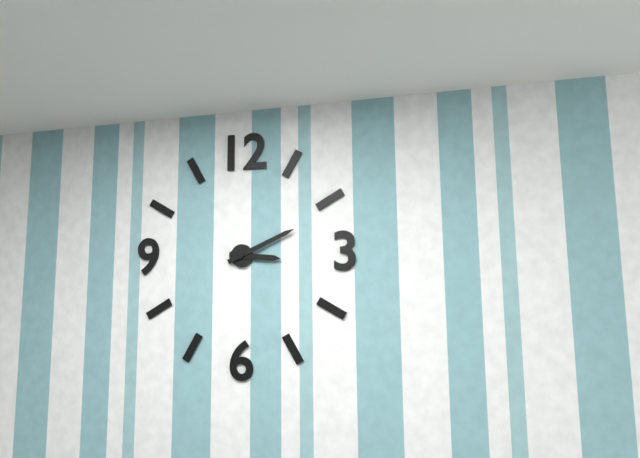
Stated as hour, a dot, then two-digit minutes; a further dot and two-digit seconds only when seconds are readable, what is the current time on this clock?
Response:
3.11
